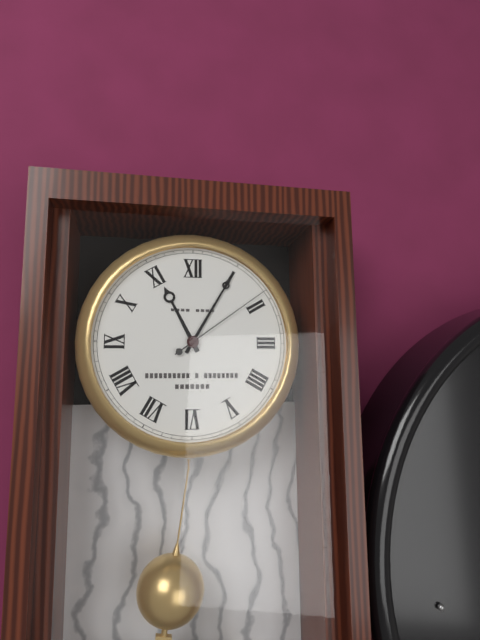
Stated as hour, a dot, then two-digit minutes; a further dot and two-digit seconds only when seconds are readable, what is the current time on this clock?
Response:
11.05.09
